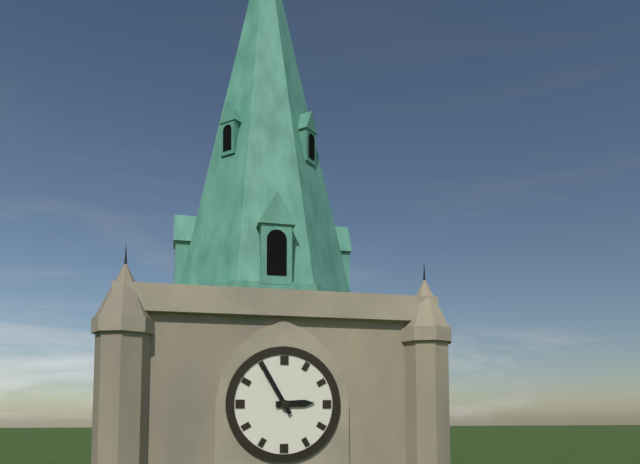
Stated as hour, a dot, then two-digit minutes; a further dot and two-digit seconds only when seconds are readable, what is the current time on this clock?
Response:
2.55
